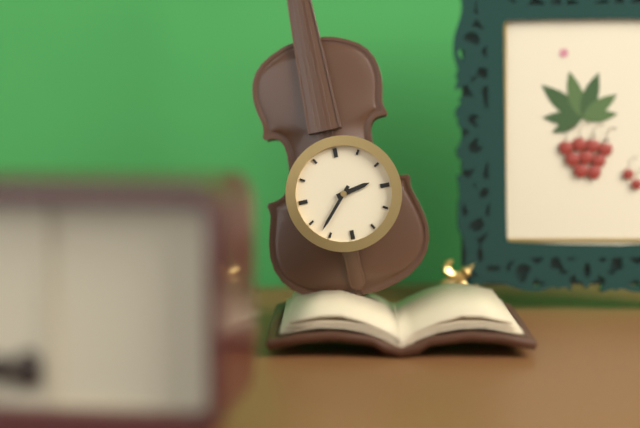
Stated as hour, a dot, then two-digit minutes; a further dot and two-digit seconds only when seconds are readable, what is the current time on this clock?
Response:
2.37
